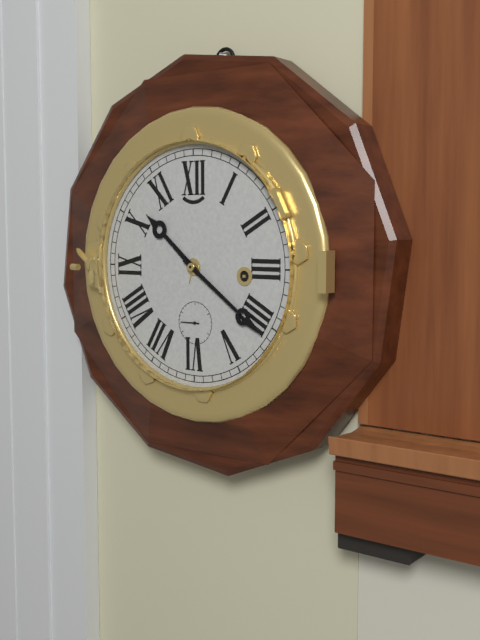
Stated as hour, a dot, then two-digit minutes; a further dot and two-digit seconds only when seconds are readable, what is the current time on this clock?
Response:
10.21.45
